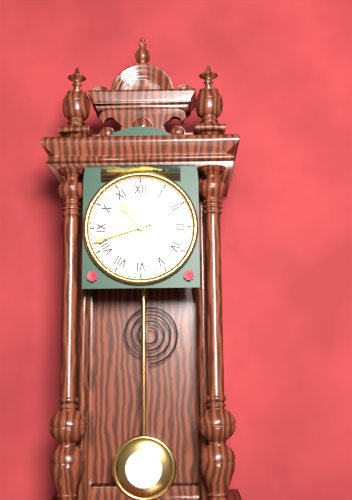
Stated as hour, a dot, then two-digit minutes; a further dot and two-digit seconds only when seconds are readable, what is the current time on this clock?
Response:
10.42
